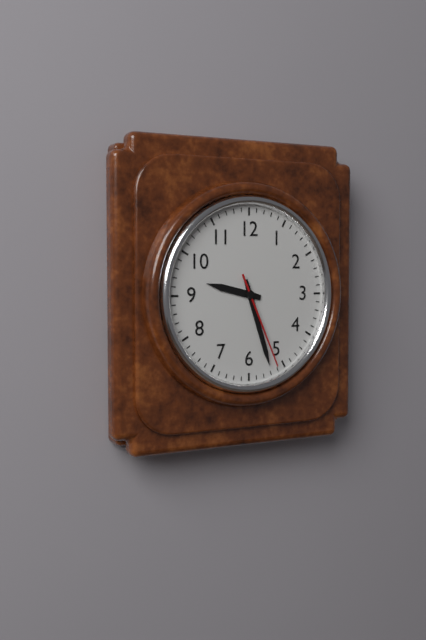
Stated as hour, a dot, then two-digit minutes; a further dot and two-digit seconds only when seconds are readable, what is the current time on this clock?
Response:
9.27.26
